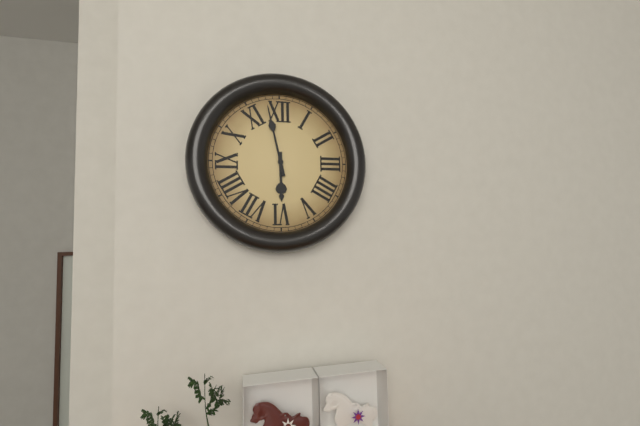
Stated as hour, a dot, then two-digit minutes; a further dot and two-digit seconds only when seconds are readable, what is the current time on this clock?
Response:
5.58
